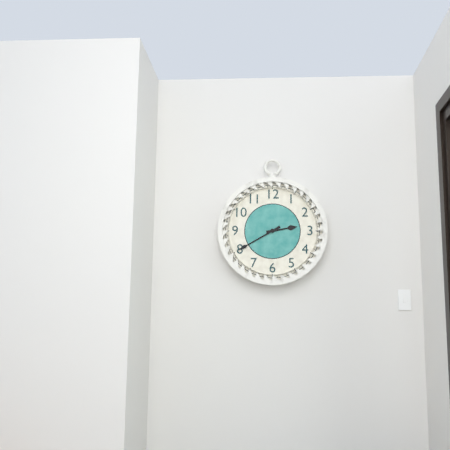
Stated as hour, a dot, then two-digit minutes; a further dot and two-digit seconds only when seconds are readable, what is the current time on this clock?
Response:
2.40
